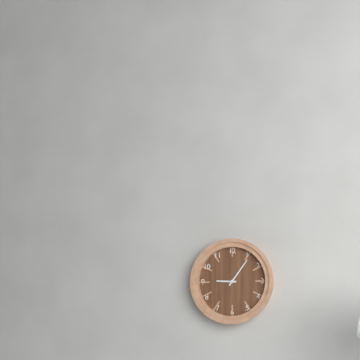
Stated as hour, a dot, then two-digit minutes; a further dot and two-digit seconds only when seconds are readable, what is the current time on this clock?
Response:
9.06
